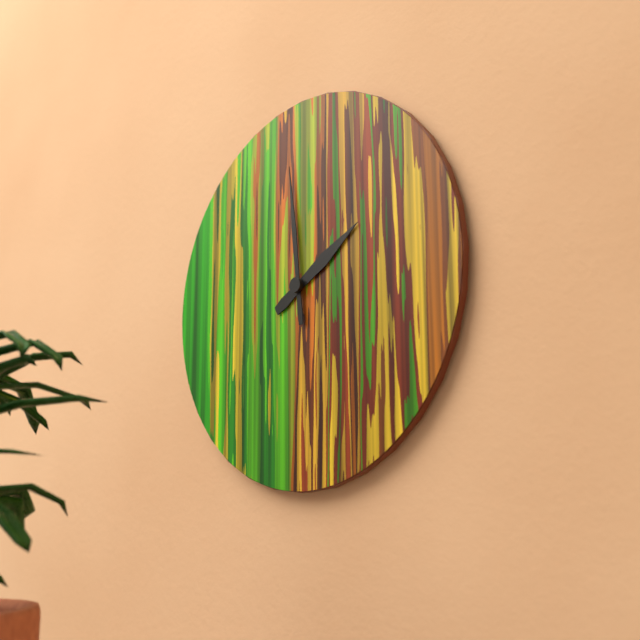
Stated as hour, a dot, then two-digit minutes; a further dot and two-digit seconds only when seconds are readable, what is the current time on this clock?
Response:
1.59
